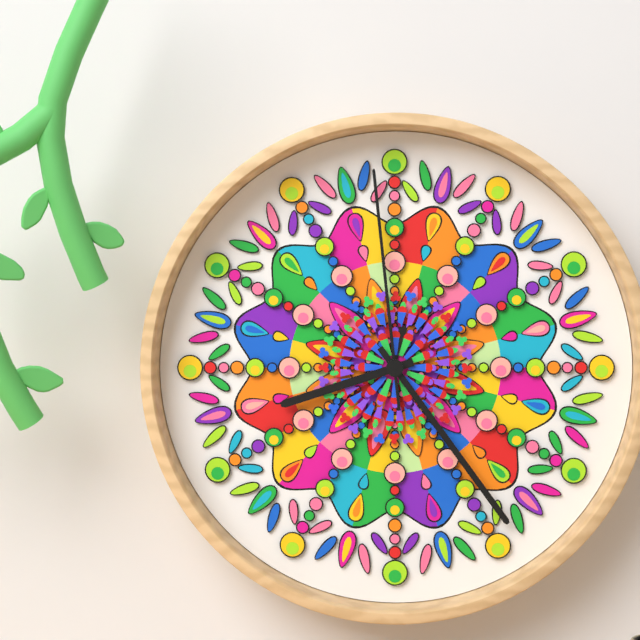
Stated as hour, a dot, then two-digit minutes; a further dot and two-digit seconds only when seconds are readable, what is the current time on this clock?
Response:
8.24.59
